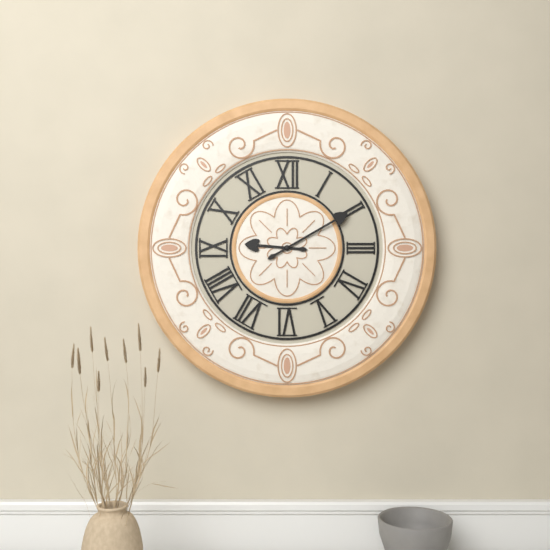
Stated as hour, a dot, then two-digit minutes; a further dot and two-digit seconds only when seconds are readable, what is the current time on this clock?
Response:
9.10
